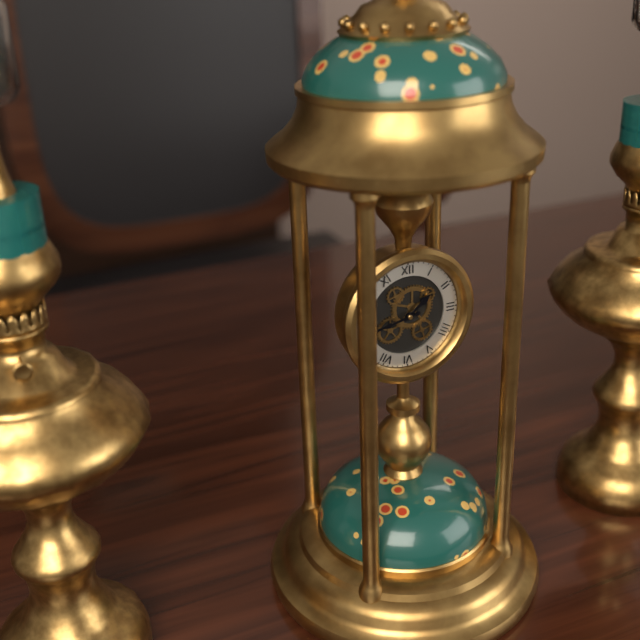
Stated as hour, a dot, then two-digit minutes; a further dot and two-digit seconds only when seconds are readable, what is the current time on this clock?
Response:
1.43
